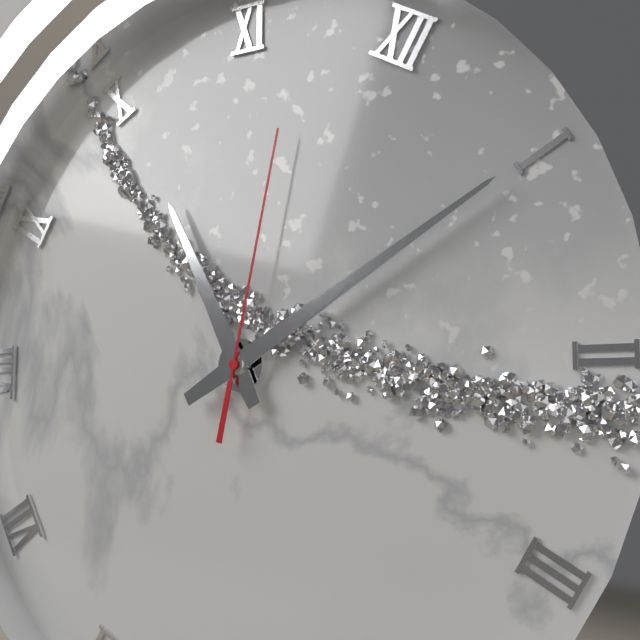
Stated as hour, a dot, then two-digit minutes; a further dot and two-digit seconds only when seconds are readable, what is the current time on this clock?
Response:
10.05.57
